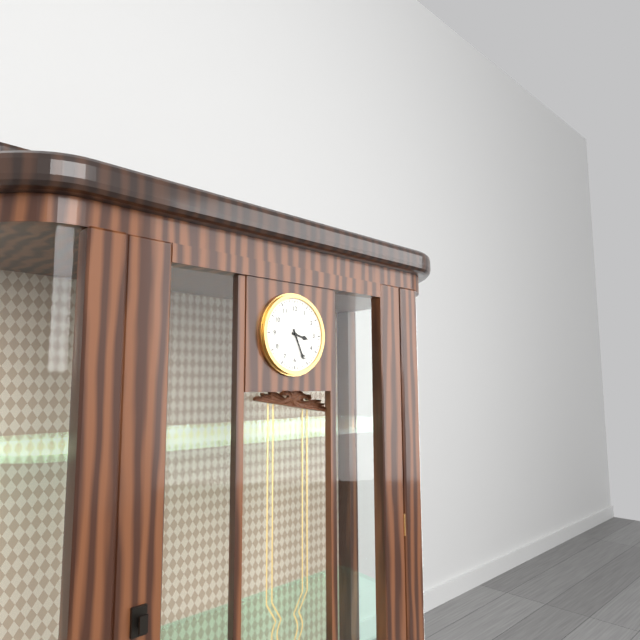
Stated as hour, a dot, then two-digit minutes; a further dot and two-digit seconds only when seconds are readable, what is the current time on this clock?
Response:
3.26
